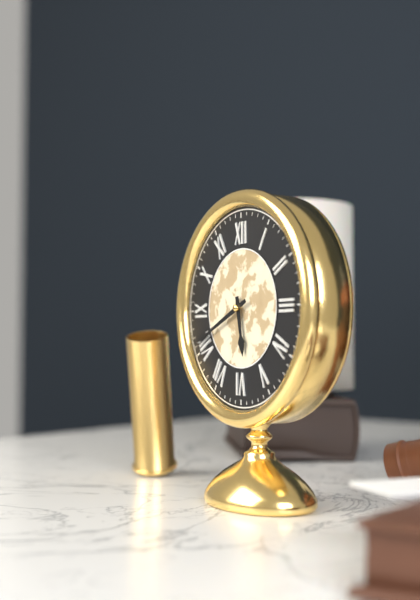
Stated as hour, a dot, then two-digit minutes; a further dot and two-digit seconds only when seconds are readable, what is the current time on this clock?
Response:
5.41
